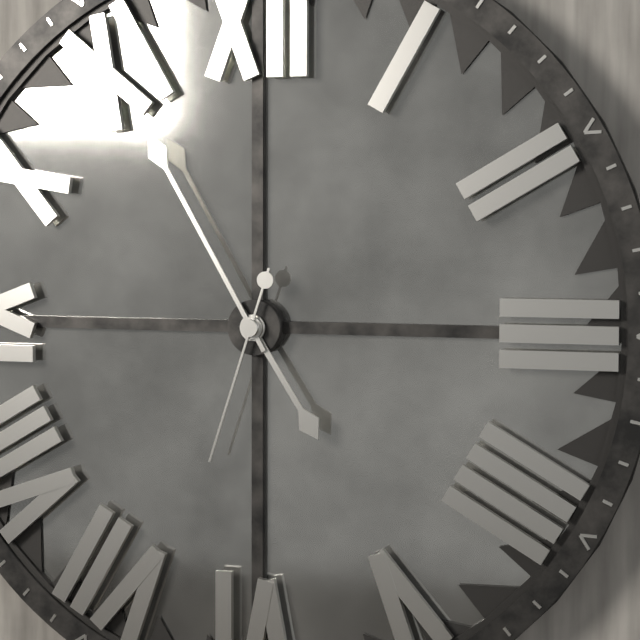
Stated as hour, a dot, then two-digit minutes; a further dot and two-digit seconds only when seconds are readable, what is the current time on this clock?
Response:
4.55.33
